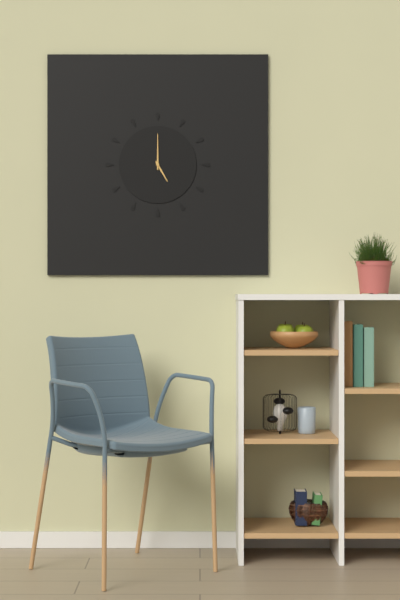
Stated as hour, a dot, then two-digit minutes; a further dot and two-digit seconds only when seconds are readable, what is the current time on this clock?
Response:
5.00
